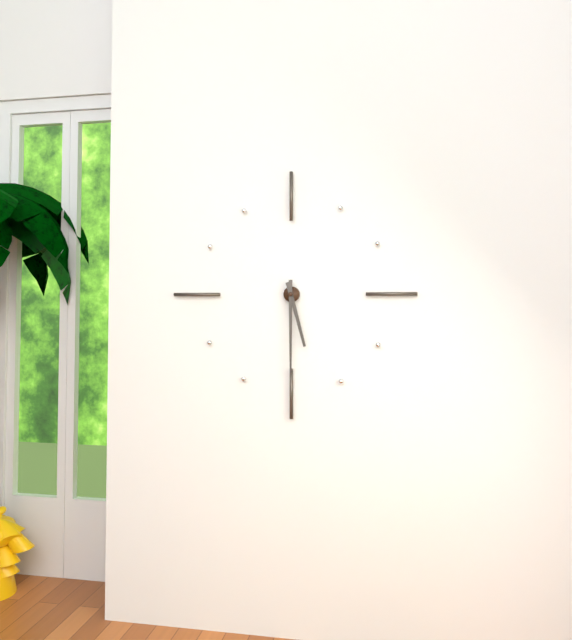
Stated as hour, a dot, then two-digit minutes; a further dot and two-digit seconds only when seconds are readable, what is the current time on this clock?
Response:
5.30
